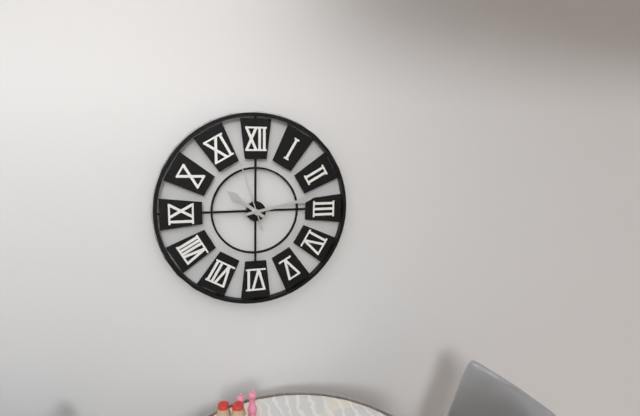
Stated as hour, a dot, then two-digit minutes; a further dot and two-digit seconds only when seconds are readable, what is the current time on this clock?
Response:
10.13.57
